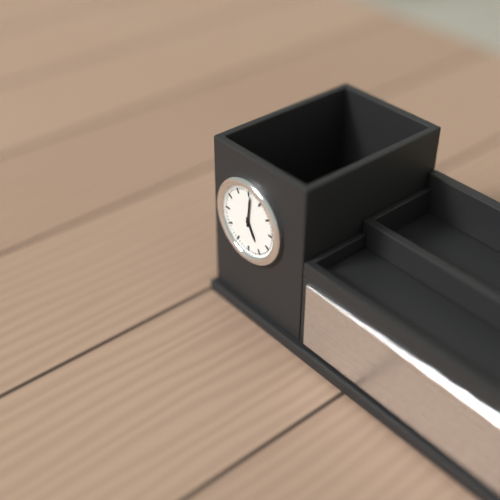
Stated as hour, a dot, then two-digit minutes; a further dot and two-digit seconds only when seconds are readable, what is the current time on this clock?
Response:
5.01
